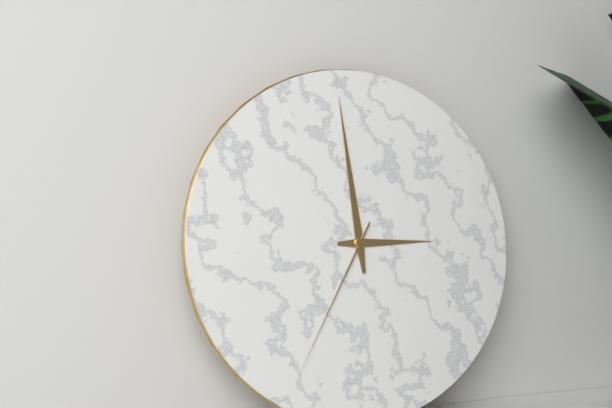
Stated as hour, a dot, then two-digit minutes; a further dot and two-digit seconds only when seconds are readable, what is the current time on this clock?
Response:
2.59.35
